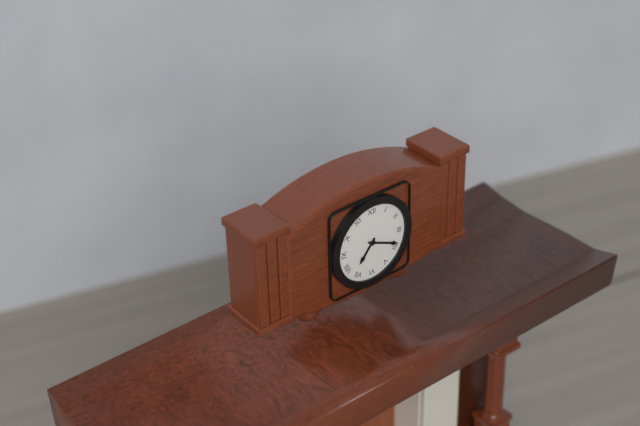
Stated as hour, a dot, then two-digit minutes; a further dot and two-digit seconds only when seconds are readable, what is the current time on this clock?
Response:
7.19
